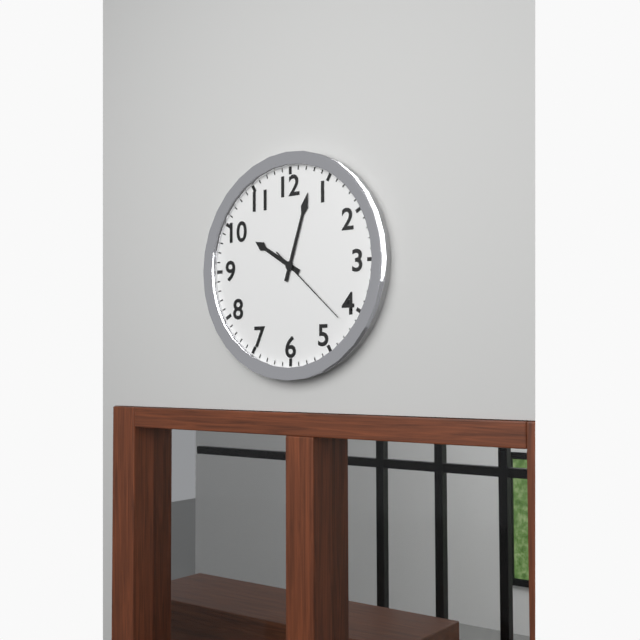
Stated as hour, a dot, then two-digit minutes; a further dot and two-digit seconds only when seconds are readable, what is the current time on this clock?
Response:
10.03.22
